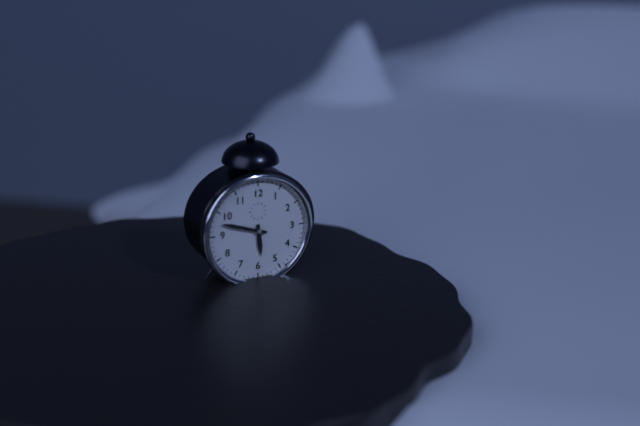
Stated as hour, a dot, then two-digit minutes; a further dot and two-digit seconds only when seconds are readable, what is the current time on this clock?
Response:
5.48
